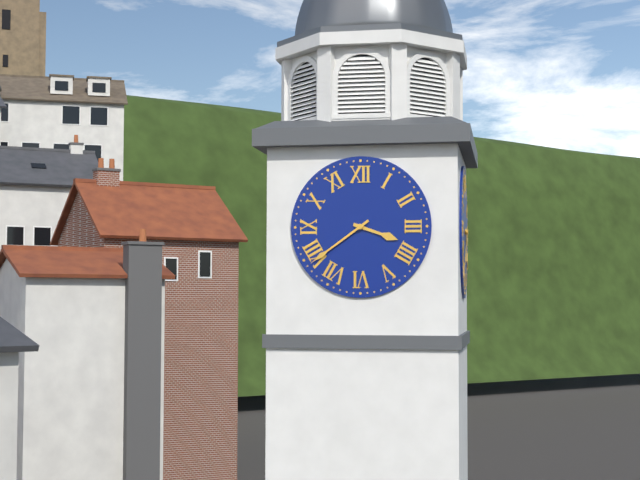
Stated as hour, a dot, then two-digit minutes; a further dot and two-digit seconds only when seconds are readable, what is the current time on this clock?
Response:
3.39
